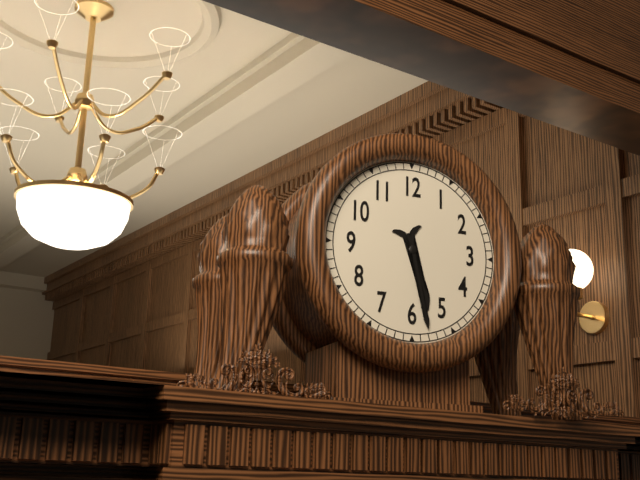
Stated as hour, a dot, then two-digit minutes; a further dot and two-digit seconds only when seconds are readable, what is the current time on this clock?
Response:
5.28
